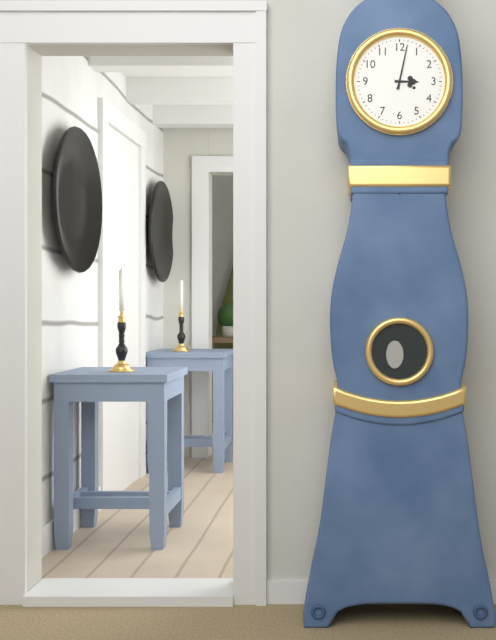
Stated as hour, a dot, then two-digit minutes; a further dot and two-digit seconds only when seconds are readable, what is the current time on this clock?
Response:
3.02
